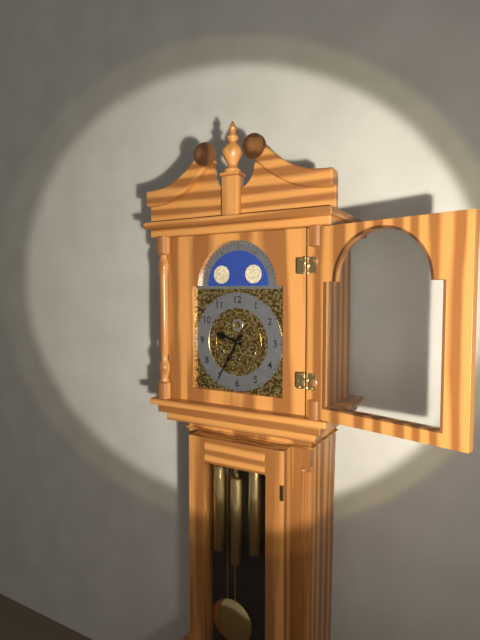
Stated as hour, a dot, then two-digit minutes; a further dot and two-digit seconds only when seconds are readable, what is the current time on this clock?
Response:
9.35
